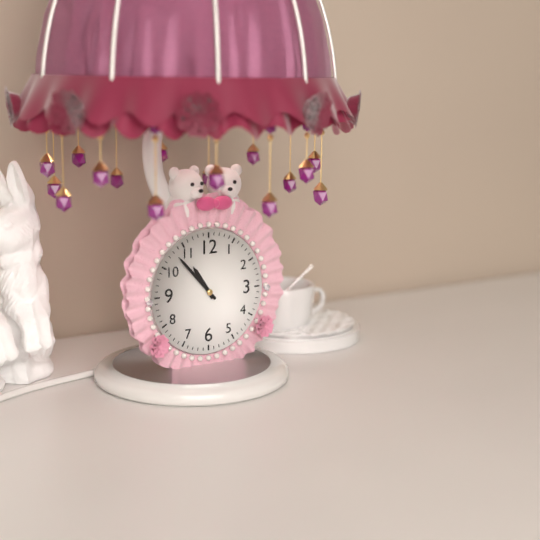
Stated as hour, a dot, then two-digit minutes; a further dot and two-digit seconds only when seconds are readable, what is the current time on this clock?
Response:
10.53
